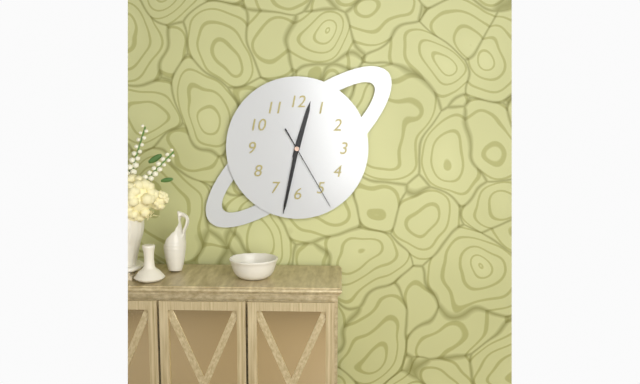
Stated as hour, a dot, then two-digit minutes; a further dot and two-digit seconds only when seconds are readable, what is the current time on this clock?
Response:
12.32.25
